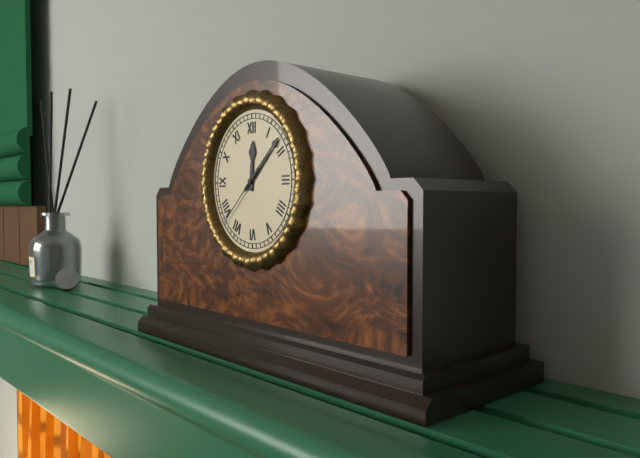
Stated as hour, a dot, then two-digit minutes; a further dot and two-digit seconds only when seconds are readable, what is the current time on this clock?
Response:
12.08.38
